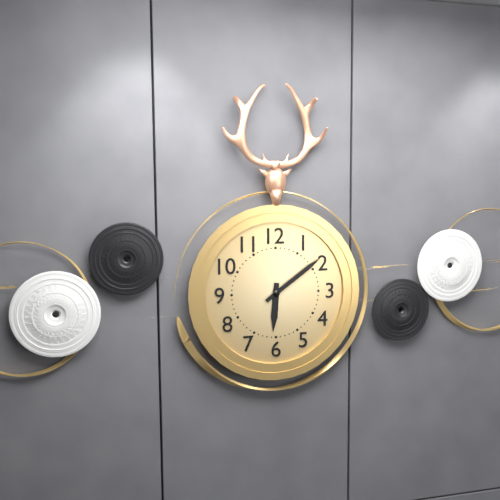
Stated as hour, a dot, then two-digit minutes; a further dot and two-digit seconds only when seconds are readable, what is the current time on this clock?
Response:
6.09
